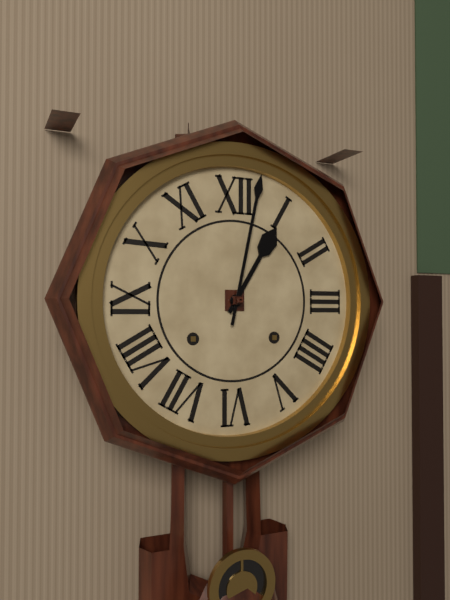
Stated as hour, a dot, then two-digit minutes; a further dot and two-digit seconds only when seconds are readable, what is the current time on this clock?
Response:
1.02
